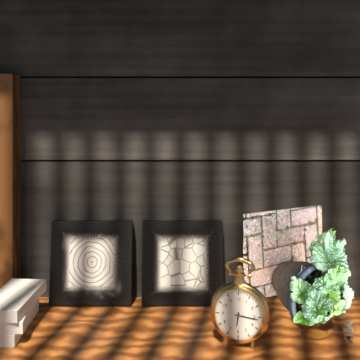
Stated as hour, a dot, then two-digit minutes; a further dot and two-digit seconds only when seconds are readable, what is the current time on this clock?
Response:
6.16
